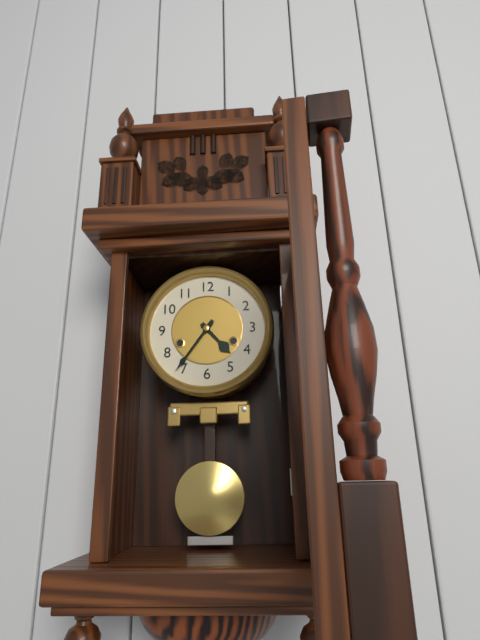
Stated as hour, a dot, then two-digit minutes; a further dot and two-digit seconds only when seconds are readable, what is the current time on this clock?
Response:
4.36
